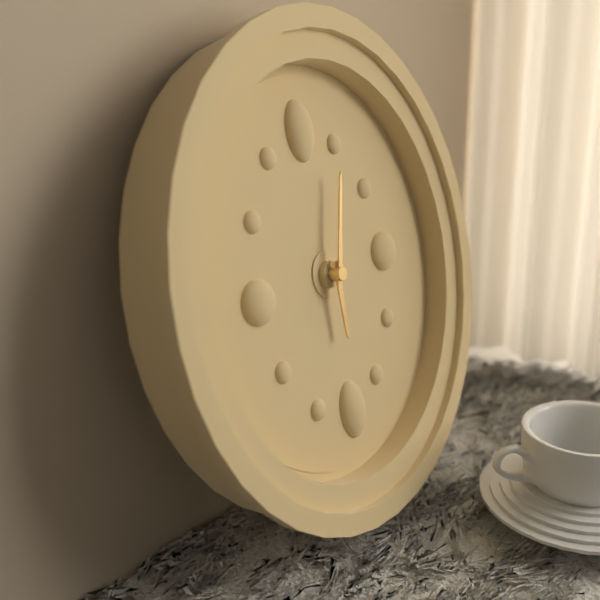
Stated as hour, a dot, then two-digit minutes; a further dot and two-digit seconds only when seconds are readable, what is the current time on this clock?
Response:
6.03
